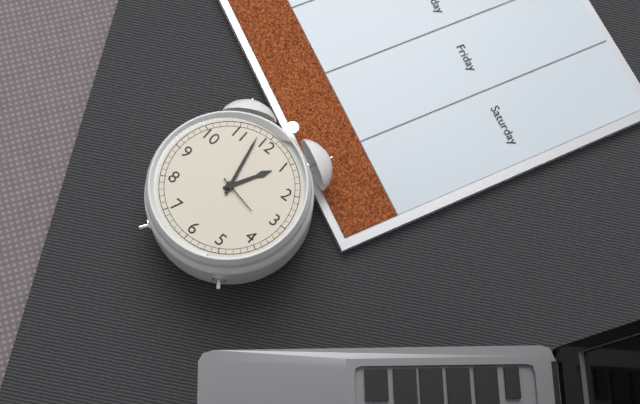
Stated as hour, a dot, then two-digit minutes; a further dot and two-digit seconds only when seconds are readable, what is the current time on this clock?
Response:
12.58
